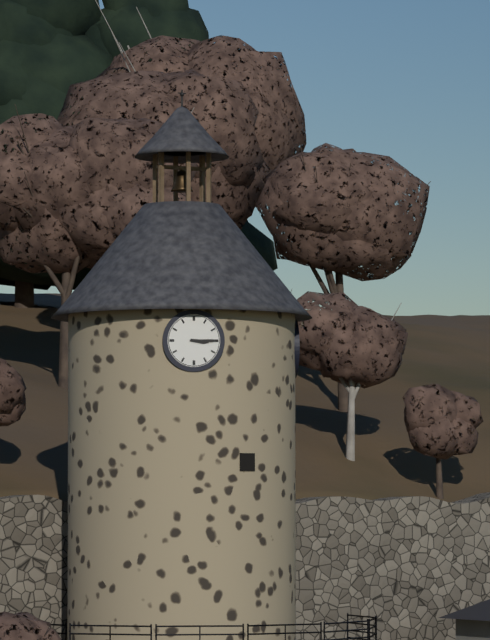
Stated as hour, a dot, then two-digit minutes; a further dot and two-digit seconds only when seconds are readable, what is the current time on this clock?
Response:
3.15
